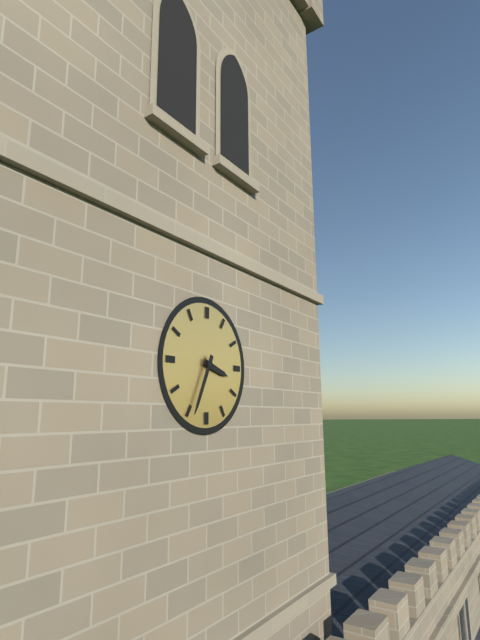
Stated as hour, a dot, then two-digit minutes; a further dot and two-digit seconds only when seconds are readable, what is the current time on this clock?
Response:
3.34
